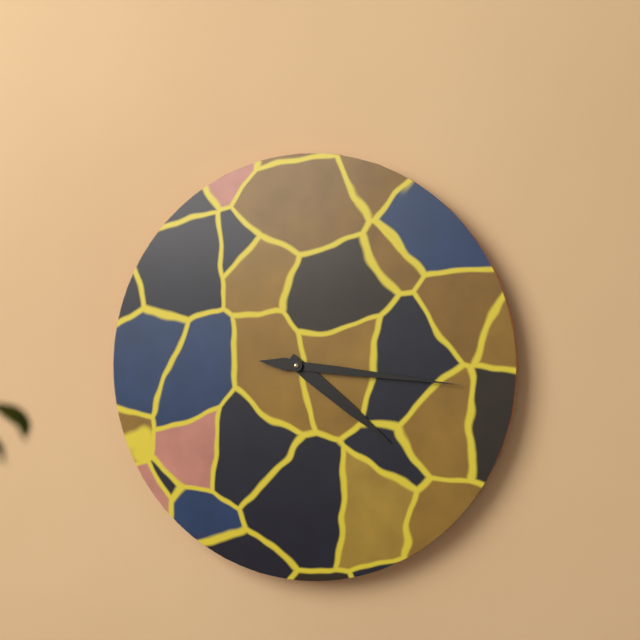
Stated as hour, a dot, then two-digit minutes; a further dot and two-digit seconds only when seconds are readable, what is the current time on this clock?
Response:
4.16
